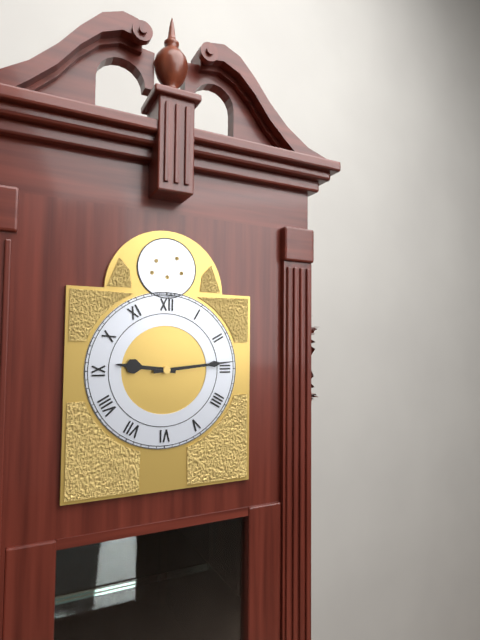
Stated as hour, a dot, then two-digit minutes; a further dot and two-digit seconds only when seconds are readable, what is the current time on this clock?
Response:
9.14
